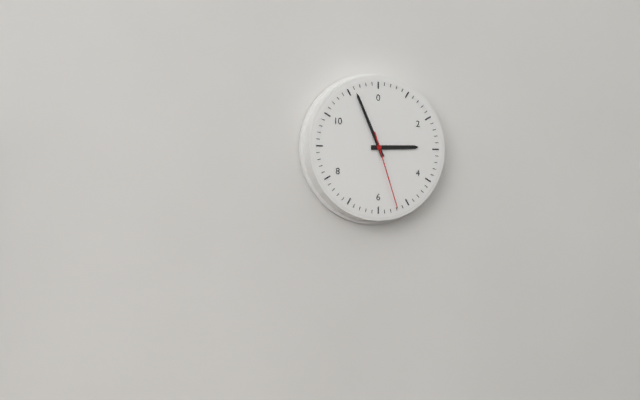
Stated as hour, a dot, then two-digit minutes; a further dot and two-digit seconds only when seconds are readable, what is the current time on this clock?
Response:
2.56.27
